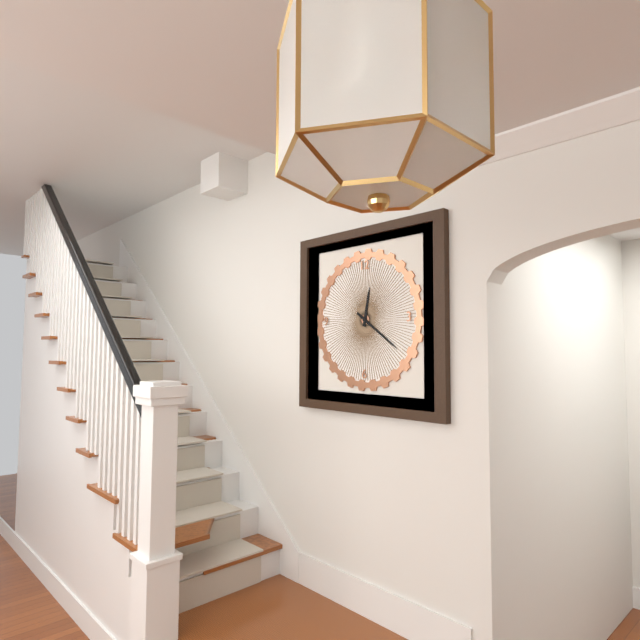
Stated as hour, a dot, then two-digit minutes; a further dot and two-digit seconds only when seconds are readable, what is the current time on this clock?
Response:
12.21
